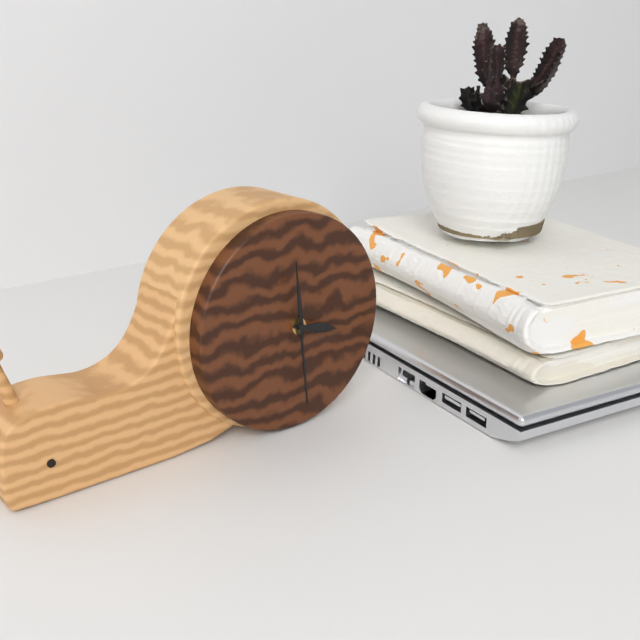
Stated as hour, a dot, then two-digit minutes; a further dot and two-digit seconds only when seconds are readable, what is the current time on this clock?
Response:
3.29.59
